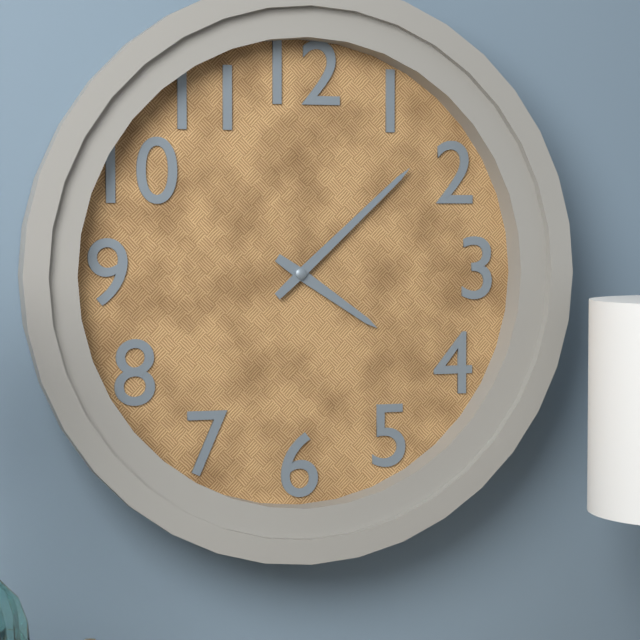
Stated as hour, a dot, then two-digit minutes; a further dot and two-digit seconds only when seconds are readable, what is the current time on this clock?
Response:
4.08
